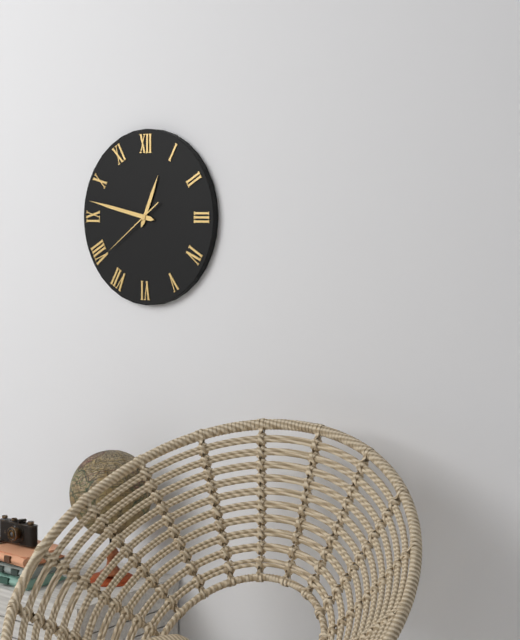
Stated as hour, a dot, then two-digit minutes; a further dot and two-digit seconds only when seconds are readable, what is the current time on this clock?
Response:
12.47.39
